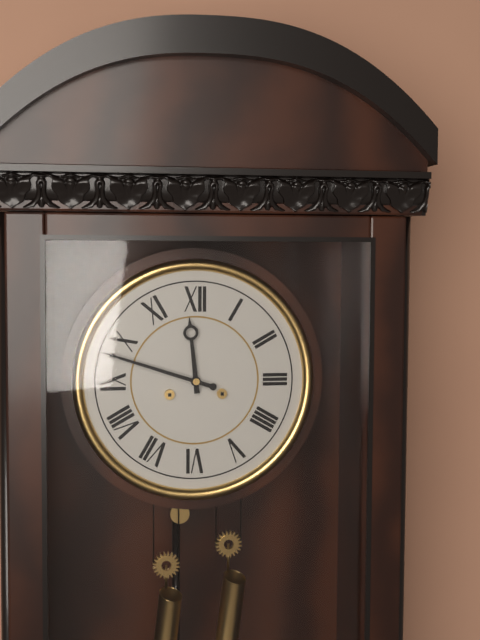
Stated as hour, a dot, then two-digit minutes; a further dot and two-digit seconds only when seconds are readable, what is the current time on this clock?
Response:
11.48
